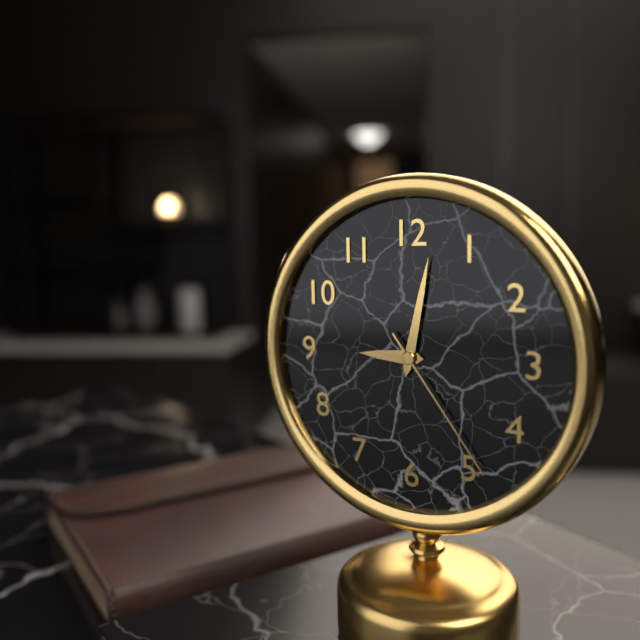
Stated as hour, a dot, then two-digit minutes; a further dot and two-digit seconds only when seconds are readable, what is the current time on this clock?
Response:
9.02.24
